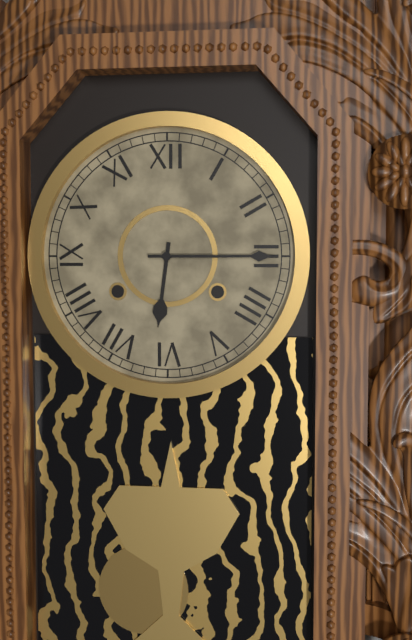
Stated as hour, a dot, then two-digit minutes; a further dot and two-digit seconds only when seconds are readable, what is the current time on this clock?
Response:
6.15
